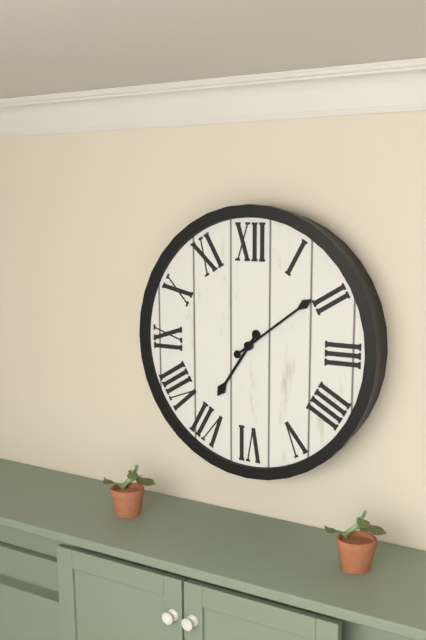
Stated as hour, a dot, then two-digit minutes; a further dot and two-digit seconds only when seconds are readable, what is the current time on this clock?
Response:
7.09
